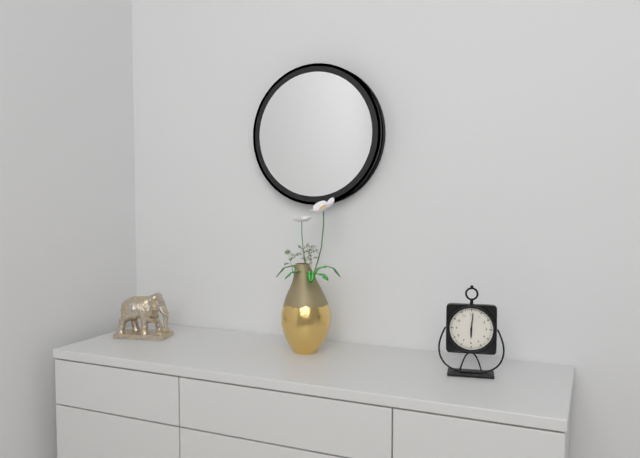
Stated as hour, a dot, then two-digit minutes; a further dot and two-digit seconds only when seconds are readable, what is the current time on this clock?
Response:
6.01
